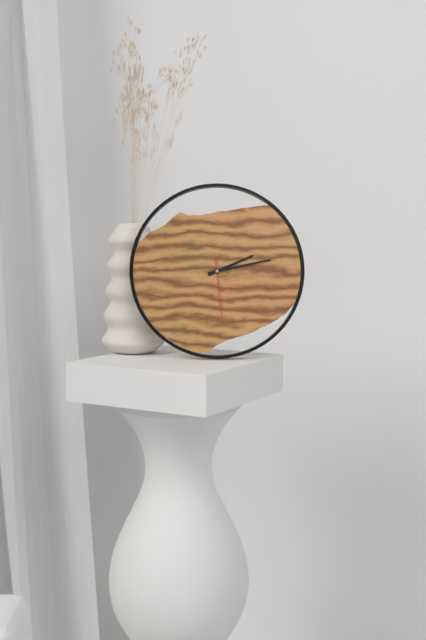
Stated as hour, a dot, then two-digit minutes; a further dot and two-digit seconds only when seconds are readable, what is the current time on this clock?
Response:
2.13.29
